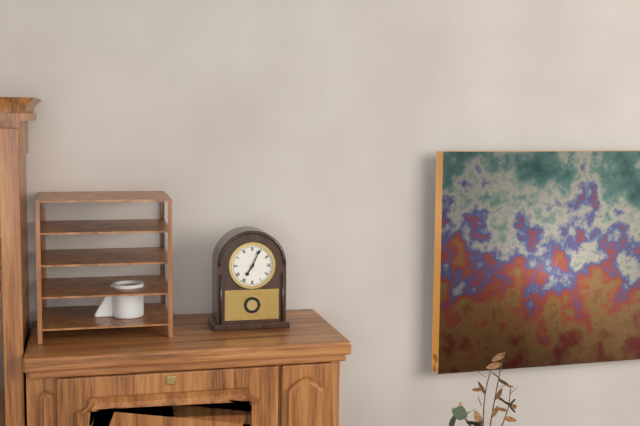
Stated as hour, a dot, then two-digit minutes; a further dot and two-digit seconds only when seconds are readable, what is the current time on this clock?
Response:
7.04
